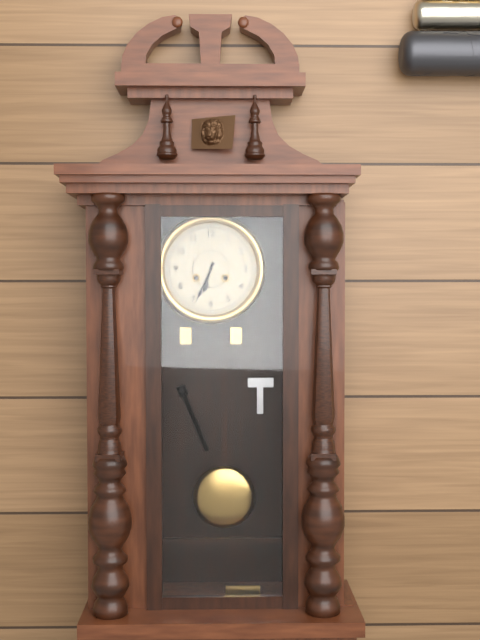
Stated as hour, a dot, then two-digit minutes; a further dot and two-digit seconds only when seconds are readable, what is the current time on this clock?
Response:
6.34
